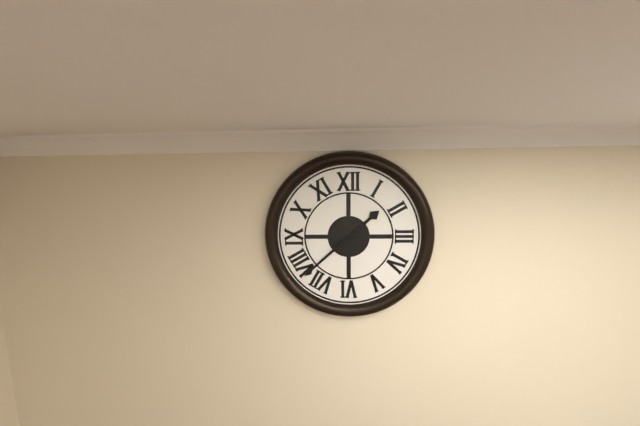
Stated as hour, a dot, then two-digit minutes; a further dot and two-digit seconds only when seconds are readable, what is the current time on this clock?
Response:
1.38
